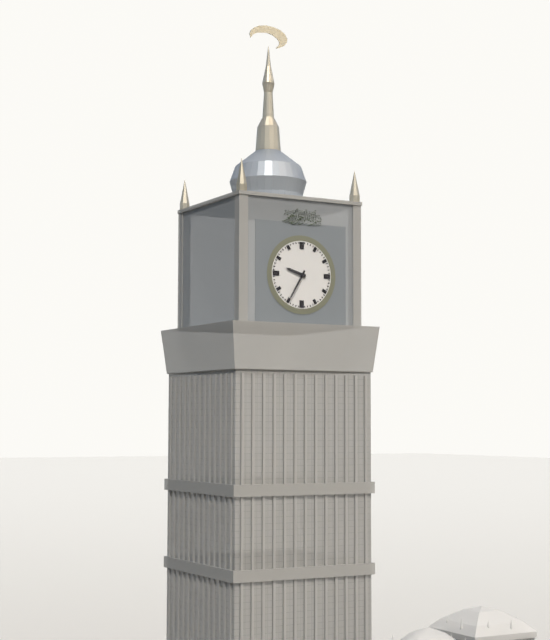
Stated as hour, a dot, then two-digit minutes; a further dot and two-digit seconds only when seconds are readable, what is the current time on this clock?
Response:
9.35
